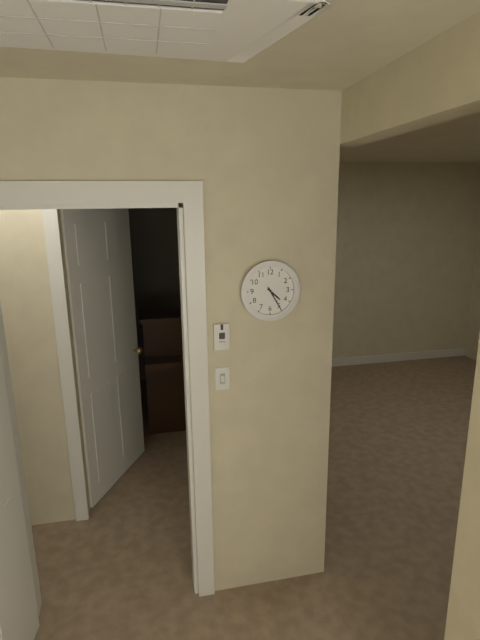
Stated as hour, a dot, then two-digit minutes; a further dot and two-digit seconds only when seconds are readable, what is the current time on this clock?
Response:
4.25
